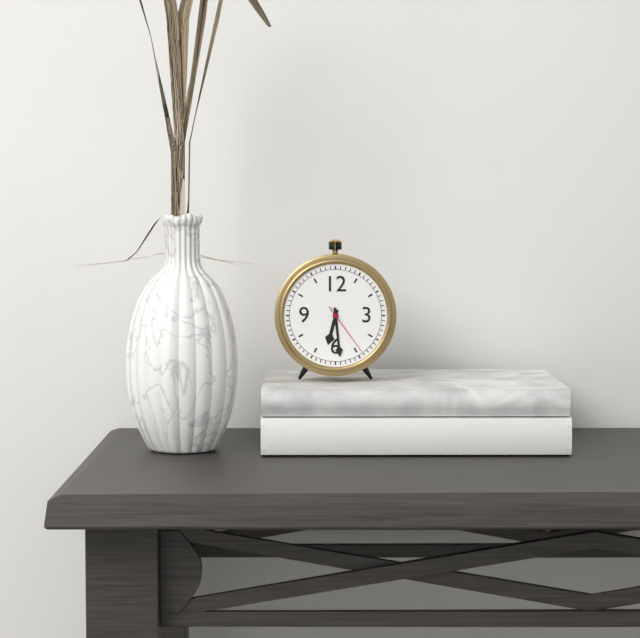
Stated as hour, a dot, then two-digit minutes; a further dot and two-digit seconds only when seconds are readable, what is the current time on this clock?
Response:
6.29.24
